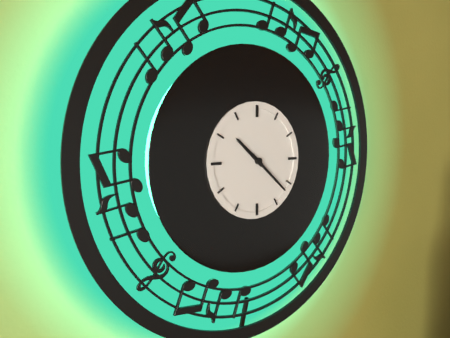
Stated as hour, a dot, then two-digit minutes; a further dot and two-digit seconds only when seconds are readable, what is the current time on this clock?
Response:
10.22
